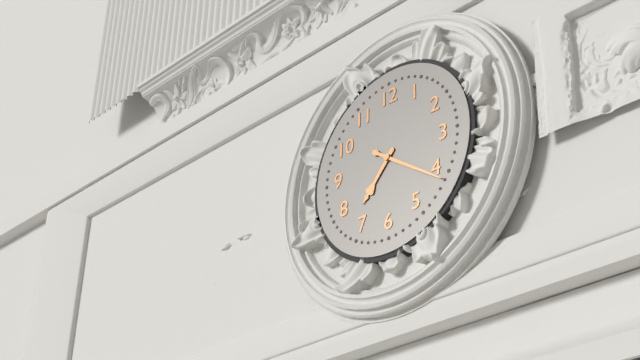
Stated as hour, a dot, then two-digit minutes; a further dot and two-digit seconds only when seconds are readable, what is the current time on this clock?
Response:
7.21
